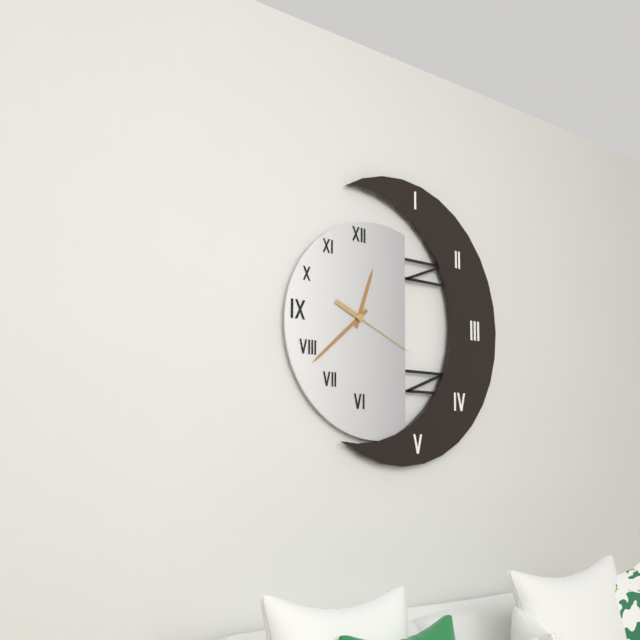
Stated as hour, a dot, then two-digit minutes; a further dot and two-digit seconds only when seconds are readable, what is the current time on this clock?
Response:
12.38.19
